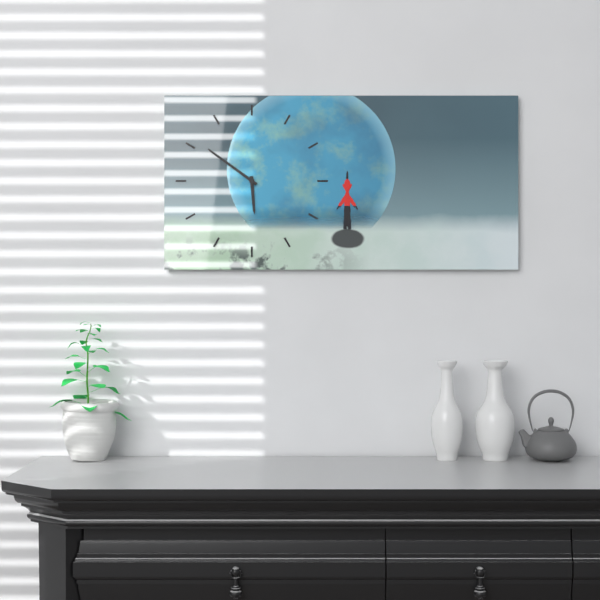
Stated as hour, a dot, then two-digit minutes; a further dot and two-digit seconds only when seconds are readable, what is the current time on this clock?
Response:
5.51
